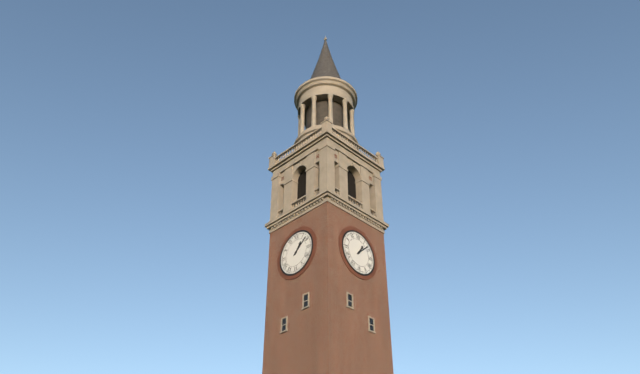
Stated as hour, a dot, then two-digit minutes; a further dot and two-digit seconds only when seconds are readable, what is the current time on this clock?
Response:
1.08
